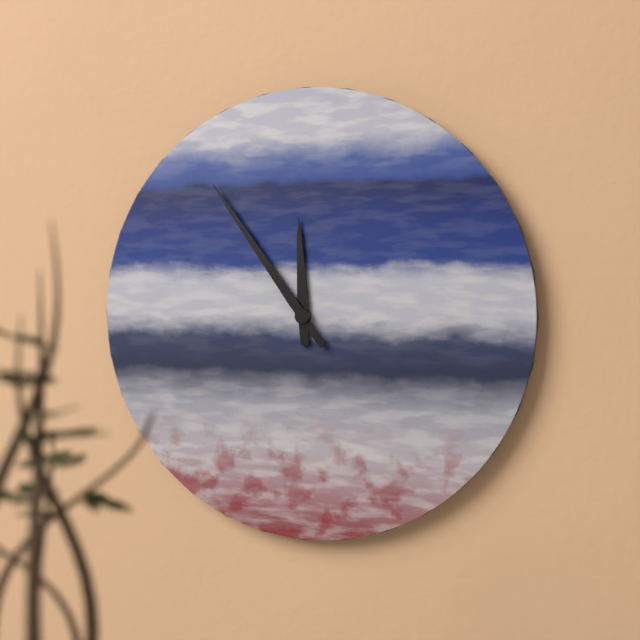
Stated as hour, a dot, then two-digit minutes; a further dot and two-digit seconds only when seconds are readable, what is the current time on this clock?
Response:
11.54
